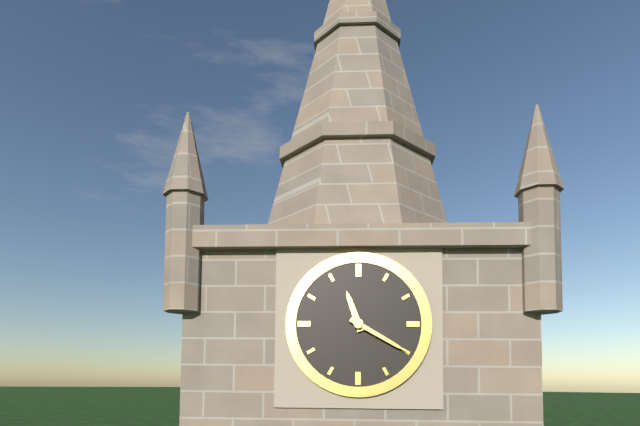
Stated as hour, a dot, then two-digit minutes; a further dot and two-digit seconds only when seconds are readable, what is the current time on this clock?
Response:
11.20
